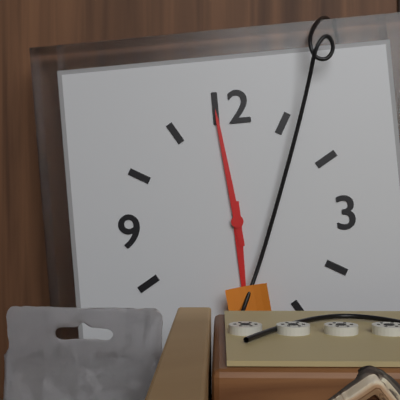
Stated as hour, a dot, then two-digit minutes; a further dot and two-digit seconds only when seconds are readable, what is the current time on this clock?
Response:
5.59
